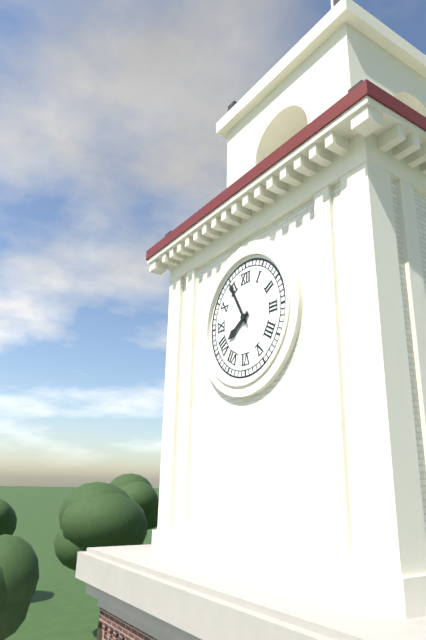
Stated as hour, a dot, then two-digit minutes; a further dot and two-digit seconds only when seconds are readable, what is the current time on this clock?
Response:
7.55
